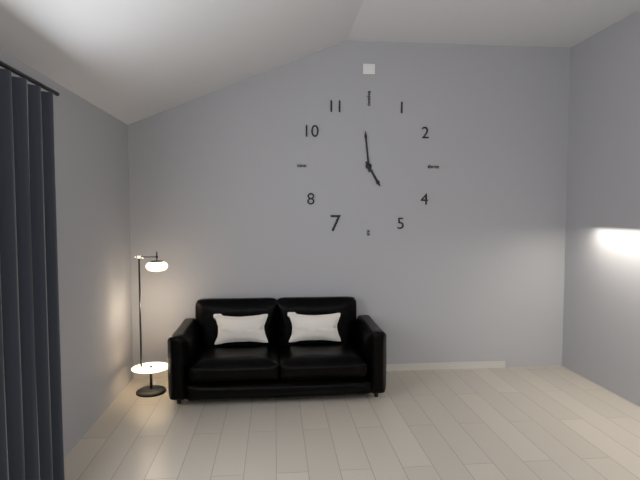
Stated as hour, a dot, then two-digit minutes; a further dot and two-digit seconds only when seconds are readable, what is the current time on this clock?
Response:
4.59
